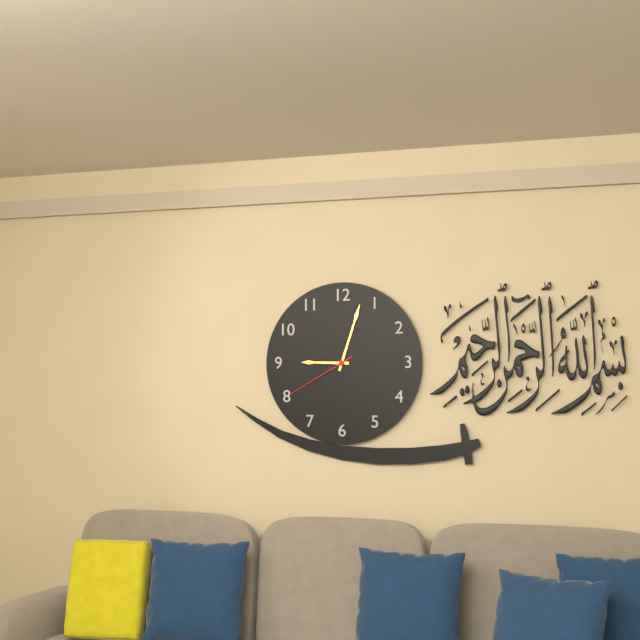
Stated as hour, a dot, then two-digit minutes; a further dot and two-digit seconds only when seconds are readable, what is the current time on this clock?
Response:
9.03.40
